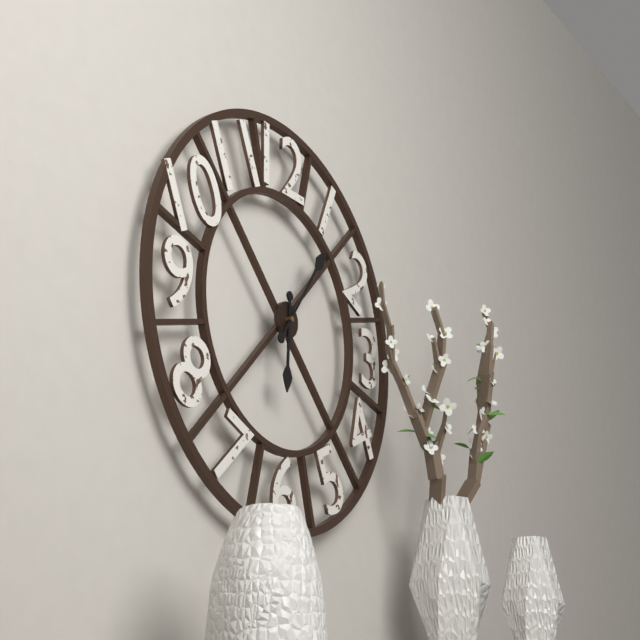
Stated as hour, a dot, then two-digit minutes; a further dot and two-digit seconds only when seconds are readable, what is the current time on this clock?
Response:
6.06
